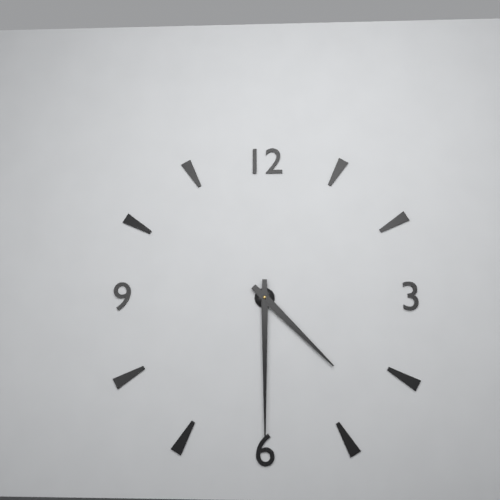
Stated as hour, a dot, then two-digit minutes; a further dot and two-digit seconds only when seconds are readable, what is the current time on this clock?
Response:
4.30
